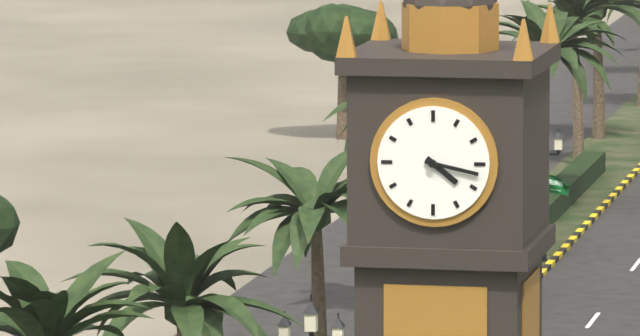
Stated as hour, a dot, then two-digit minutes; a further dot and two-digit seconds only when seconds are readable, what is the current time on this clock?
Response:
4.17
